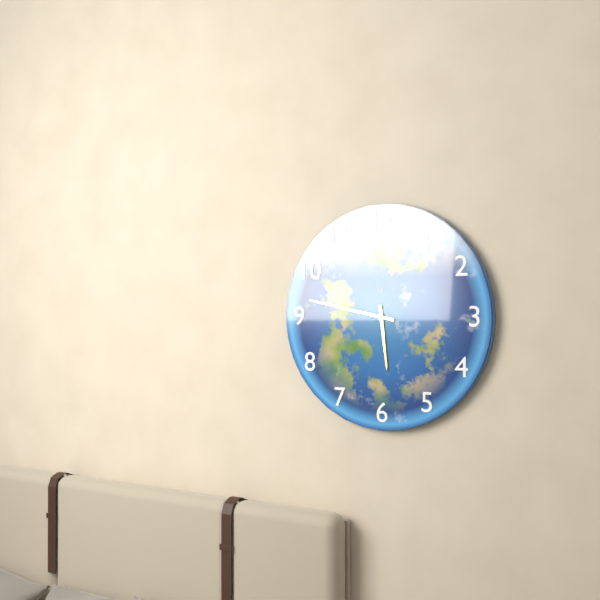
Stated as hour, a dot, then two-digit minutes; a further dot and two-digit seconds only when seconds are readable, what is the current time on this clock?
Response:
5.47
